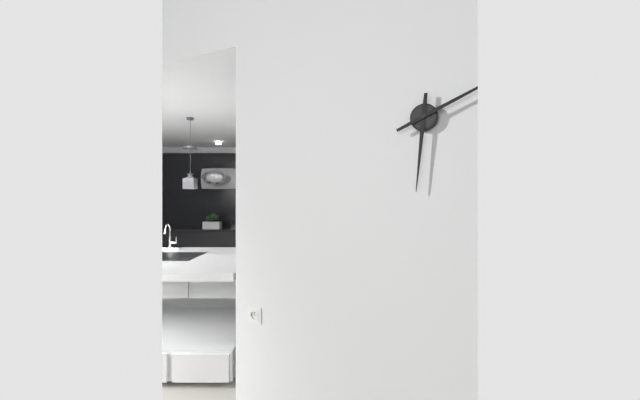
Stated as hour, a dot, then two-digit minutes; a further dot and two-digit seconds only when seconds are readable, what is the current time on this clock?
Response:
6.11
